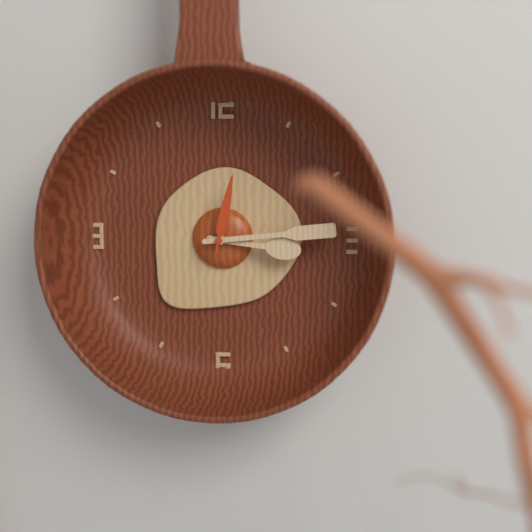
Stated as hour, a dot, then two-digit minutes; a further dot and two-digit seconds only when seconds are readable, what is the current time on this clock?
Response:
3.14.02
